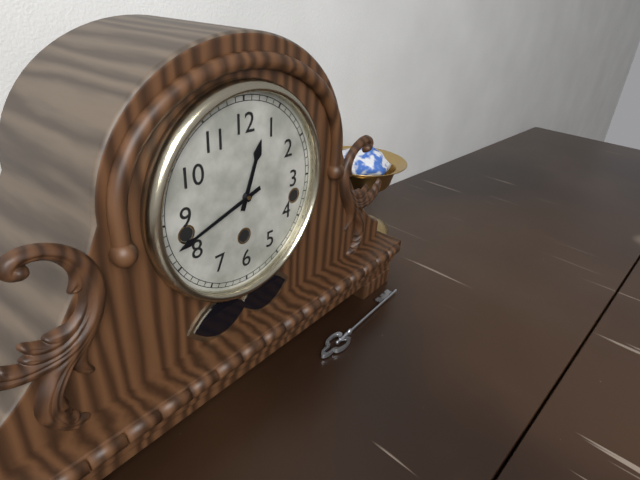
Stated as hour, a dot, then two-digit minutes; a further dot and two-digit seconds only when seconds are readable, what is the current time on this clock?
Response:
12.42
